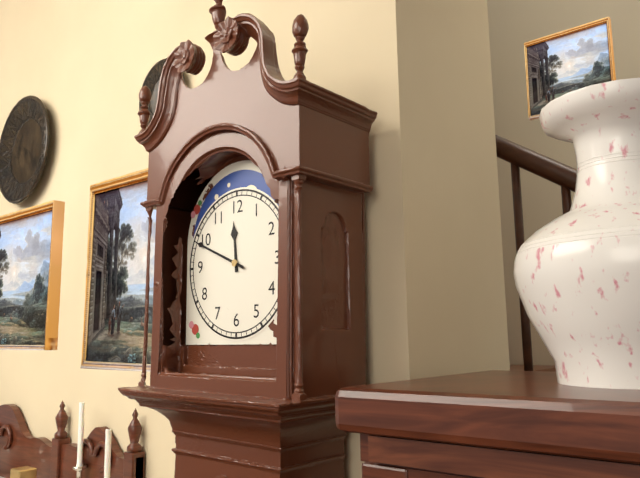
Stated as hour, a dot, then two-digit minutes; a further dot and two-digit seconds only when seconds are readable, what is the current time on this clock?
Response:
11.49
